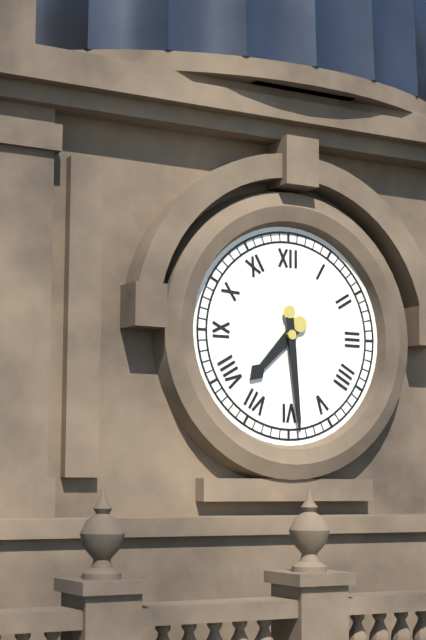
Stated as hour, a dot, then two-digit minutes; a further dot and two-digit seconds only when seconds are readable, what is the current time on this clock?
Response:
7.29
